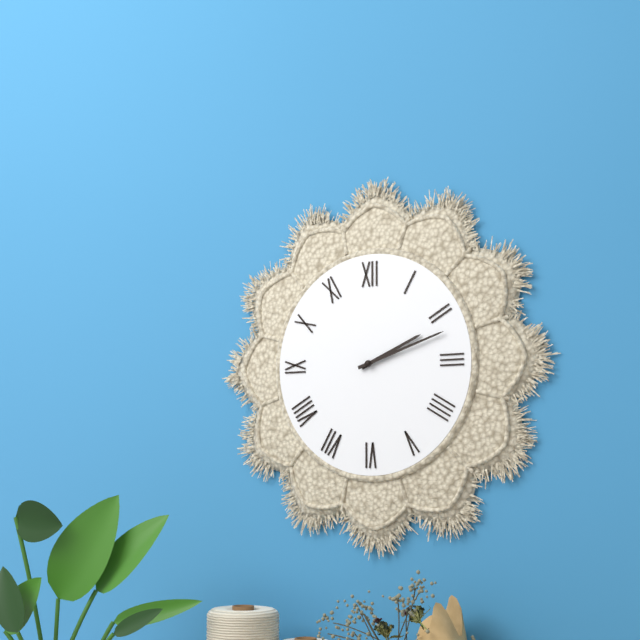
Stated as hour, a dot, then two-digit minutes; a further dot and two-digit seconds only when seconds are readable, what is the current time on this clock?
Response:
2.12
